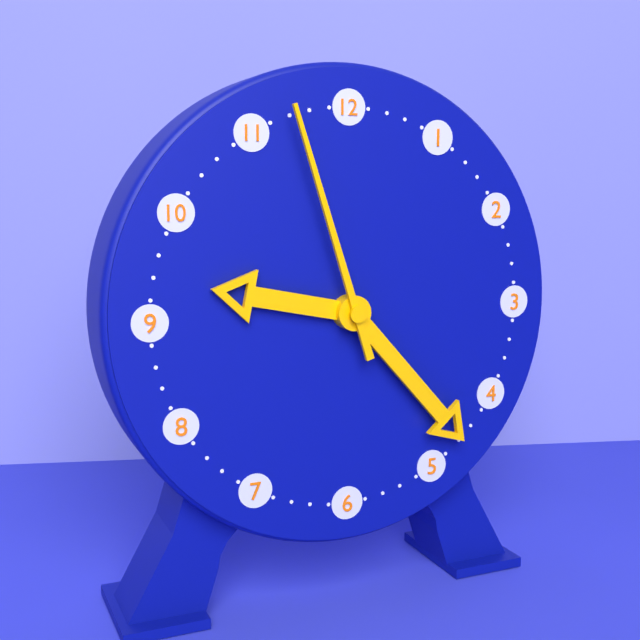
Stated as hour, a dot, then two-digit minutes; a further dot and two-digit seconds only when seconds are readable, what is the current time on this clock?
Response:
9.23.57
